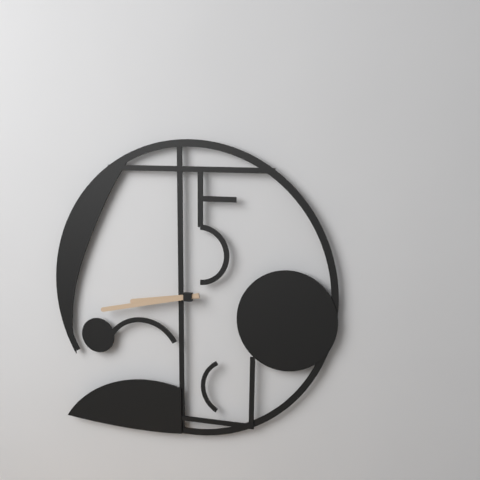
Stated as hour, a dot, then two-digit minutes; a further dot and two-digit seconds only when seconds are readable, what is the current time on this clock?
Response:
8.43
